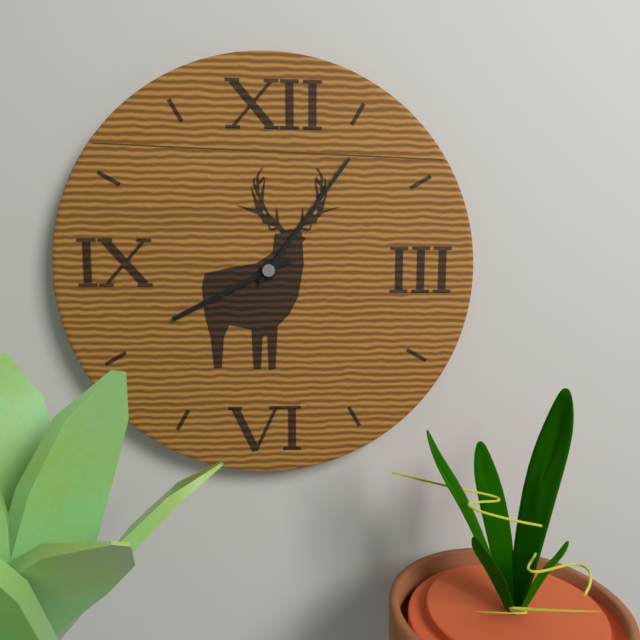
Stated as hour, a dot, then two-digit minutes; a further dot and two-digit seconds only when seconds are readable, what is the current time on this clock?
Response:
8.06
